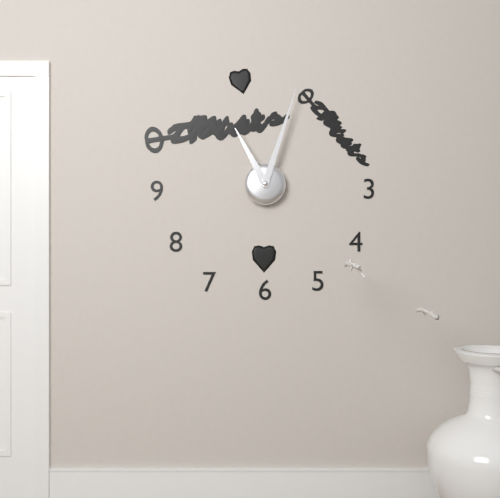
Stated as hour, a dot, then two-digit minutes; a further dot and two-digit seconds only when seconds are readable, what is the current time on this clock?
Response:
11.03
